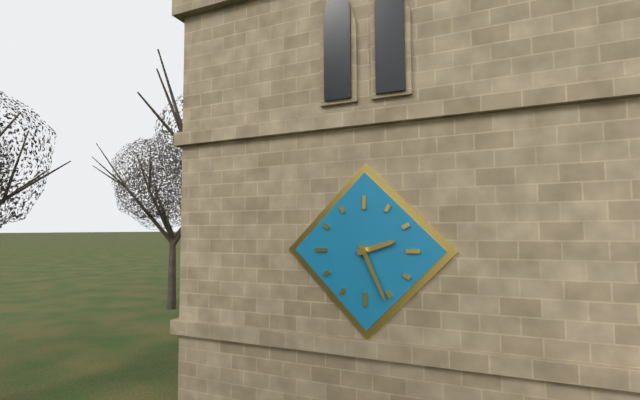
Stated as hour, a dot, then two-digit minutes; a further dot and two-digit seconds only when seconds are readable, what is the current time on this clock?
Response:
2.26
